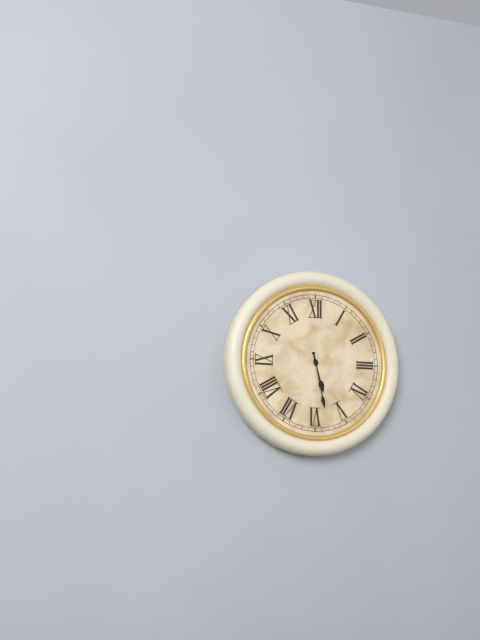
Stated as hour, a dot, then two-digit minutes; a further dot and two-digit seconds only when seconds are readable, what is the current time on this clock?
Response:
5.28
